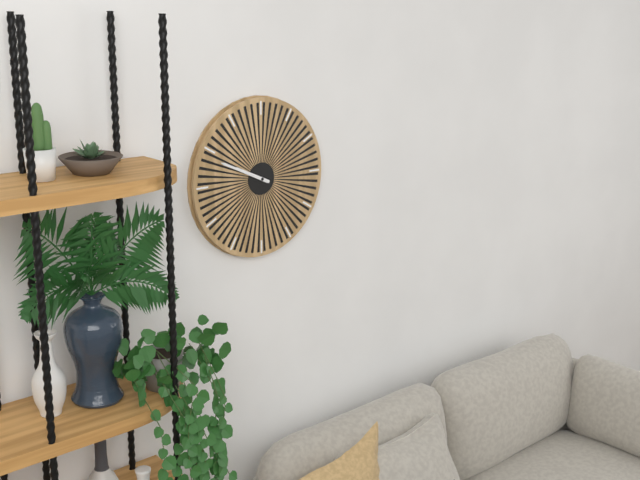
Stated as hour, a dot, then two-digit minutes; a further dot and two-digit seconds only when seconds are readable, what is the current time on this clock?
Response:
9.49
